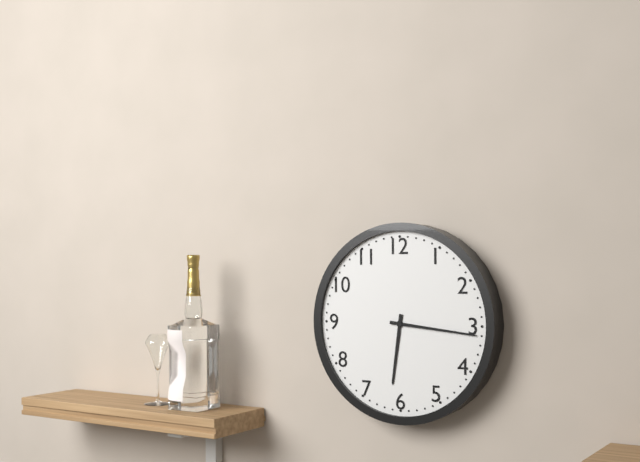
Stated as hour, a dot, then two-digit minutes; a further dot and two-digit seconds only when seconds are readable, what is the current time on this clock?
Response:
6.16
